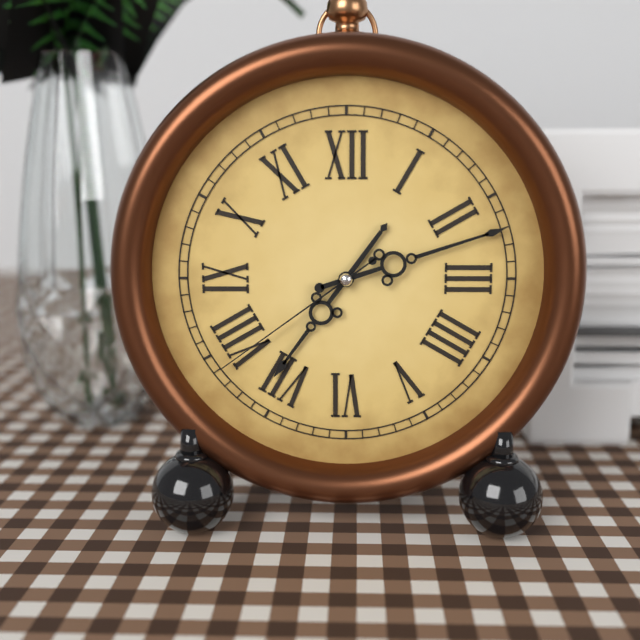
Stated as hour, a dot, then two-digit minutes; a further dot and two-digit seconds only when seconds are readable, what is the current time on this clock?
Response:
7.12.39
